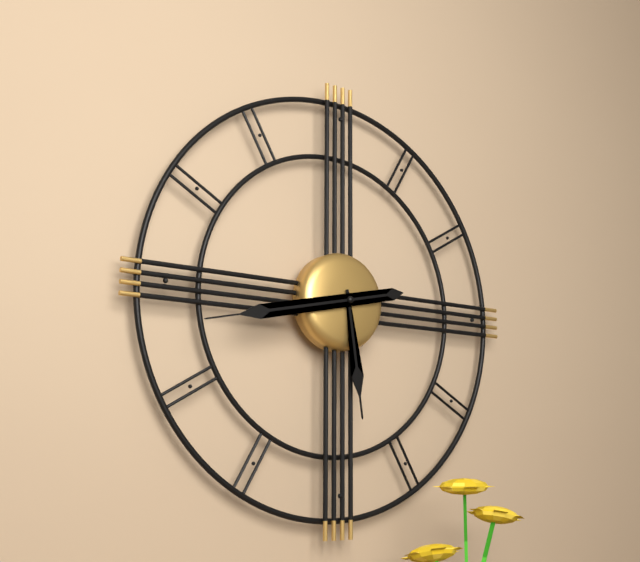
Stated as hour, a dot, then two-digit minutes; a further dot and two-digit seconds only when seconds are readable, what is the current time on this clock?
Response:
5.43
